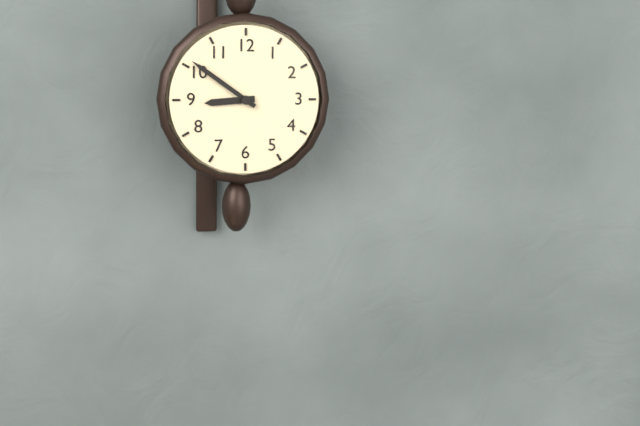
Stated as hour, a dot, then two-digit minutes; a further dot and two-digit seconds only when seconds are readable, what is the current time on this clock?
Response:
8.51
